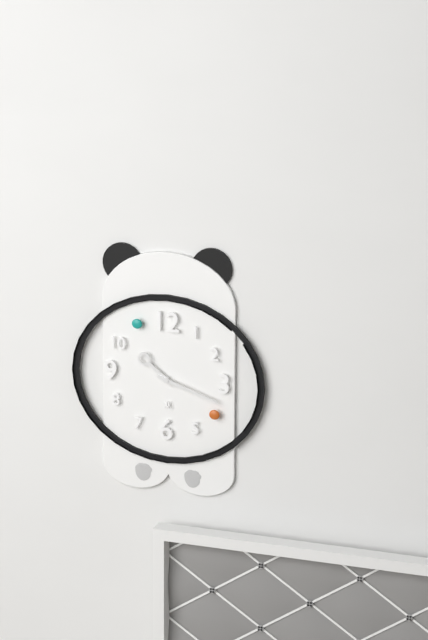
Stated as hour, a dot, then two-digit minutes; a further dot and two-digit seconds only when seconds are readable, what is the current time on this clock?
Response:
10.18
